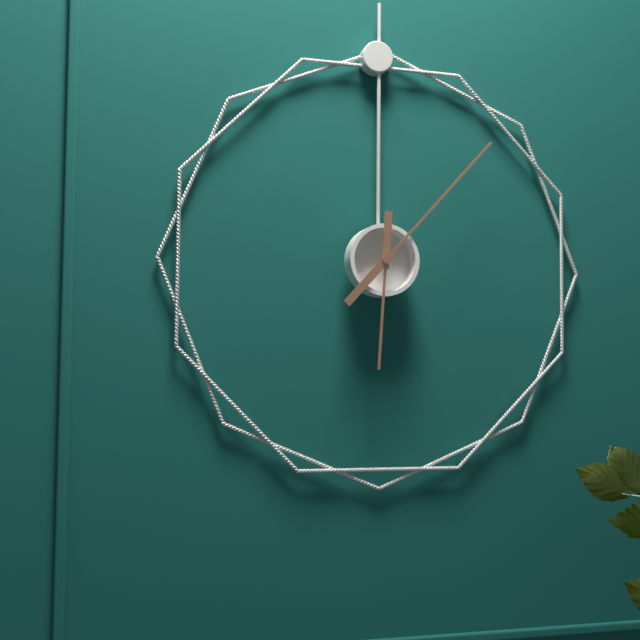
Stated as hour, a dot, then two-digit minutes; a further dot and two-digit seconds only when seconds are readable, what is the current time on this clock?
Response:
6.07
